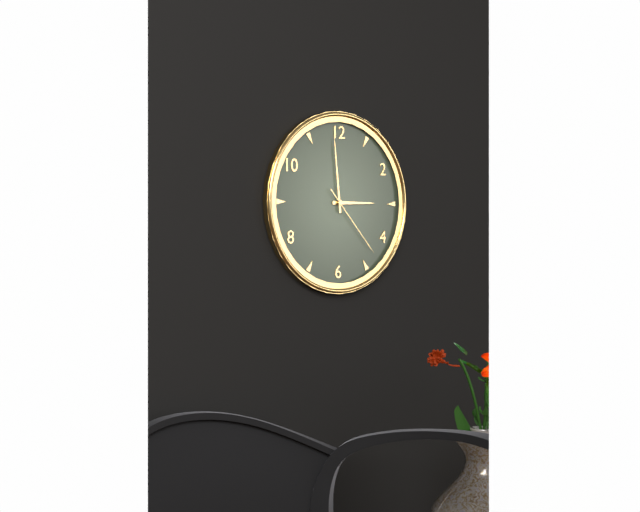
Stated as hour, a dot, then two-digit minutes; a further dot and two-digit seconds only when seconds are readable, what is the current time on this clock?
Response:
2.59.23
